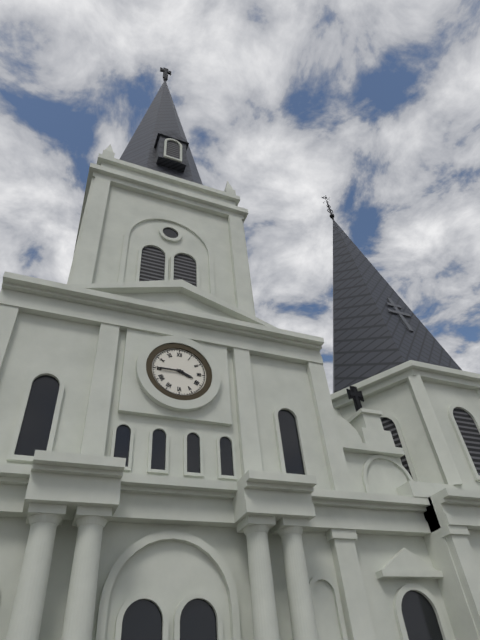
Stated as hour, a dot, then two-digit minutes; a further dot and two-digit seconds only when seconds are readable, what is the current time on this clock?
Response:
3.45
